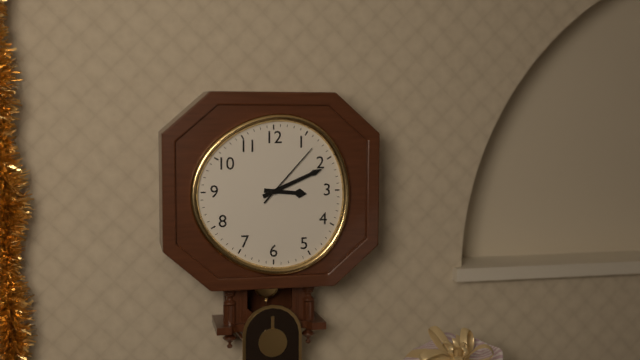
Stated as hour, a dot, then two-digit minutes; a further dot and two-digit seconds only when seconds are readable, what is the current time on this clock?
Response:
3.11.07
